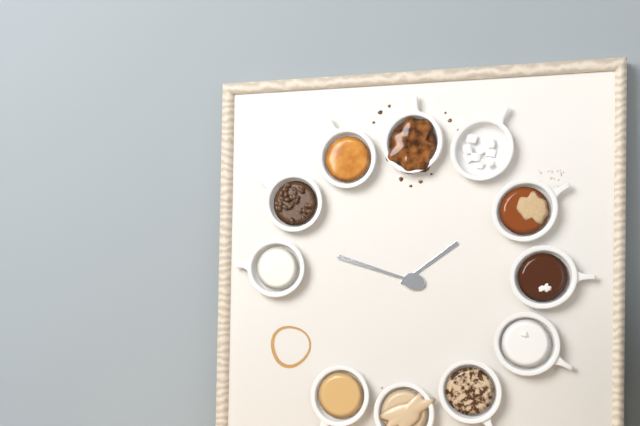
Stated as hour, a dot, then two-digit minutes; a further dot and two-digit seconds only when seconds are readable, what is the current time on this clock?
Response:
1.48
